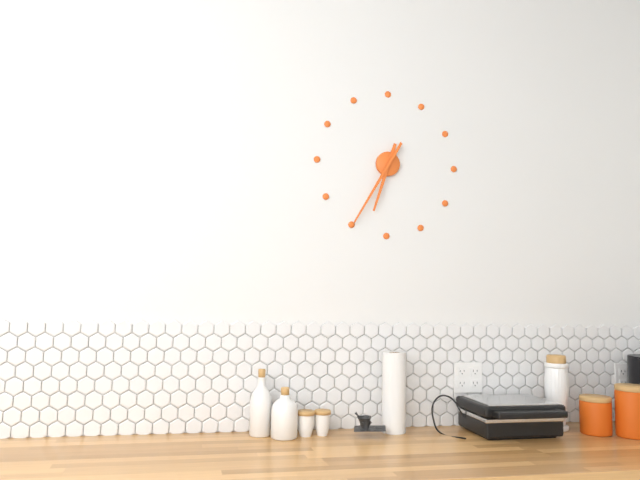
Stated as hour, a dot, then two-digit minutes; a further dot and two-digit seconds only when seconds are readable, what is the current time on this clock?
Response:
6.35
